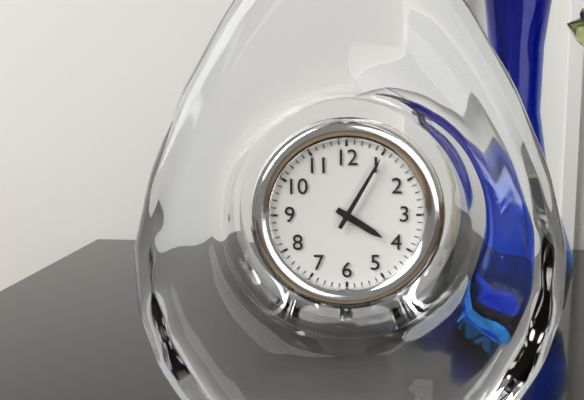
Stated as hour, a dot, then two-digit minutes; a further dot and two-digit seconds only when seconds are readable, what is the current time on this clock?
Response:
4.05
